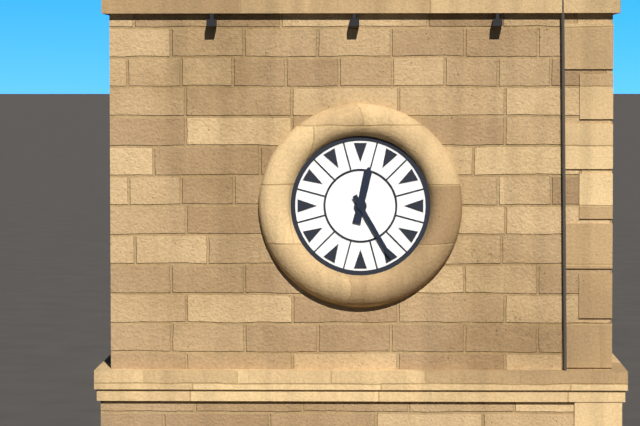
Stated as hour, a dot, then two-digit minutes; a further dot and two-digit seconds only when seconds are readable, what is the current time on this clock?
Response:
12.25
